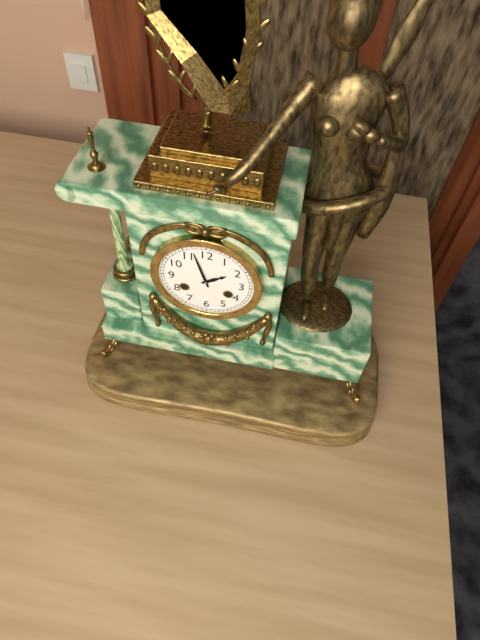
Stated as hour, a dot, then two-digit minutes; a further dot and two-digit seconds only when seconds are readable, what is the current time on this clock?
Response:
1.57
